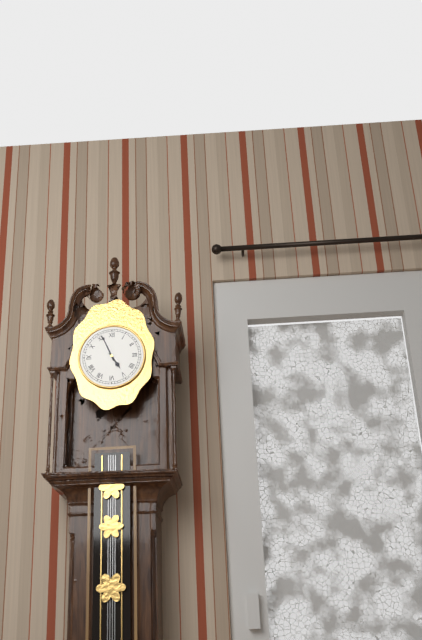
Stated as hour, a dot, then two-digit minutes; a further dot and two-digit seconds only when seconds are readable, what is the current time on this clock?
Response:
4.56
